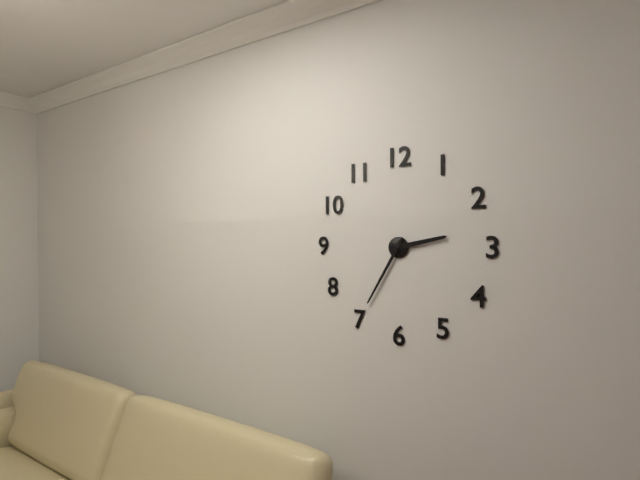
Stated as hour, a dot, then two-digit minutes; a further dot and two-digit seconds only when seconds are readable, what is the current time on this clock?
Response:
2.35
